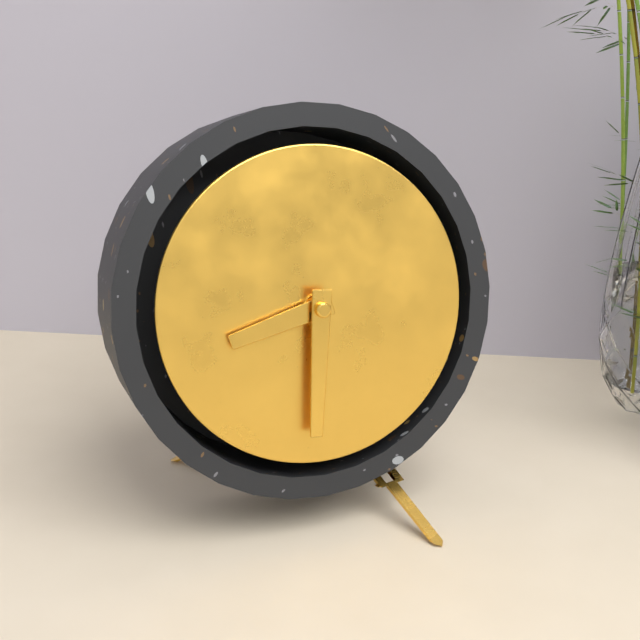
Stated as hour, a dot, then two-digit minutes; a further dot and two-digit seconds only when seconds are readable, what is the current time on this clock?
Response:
8.31
